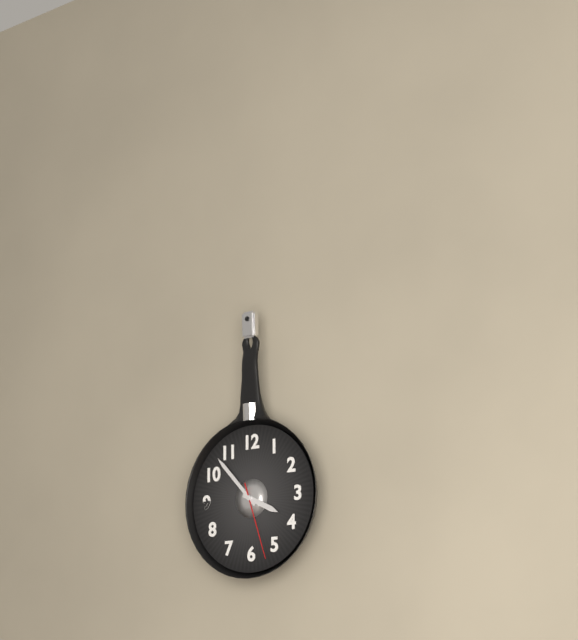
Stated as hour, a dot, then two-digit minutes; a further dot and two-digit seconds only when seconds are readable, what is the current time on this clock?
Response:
3.53.27
